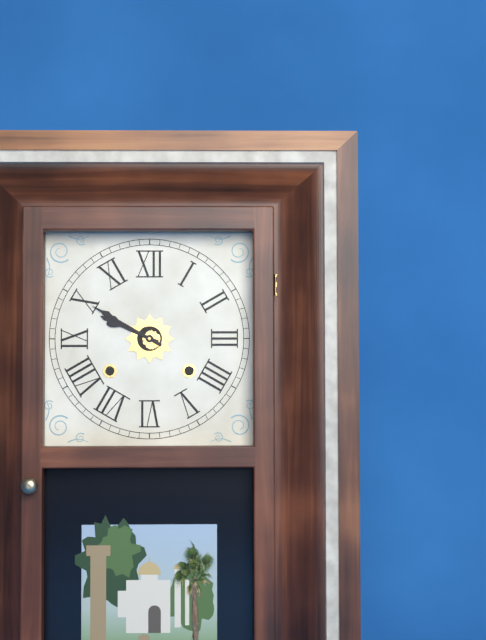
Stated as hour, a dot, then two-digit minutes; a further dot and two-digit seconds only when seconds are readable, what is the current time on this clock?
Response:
9.50
